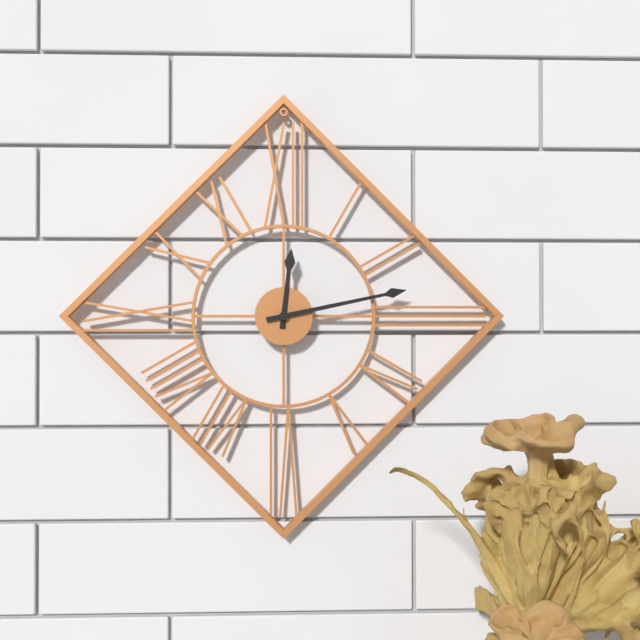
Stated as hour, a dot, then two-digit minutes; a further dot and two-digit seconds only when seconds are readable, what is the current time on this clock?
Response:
12.13
